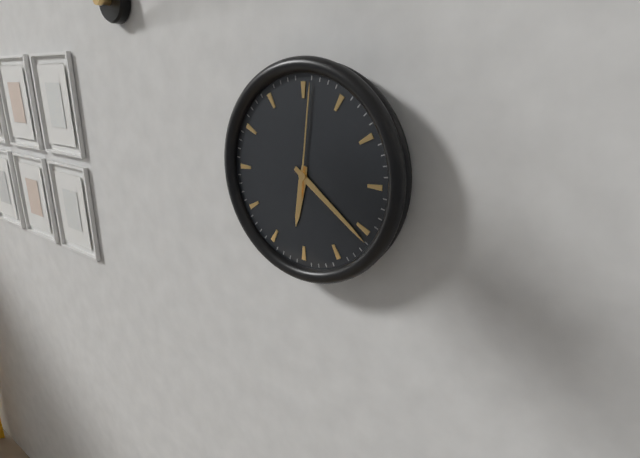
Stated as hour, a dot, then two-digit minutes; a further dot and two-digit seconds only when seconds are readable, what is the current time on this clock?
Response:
6.21.01
